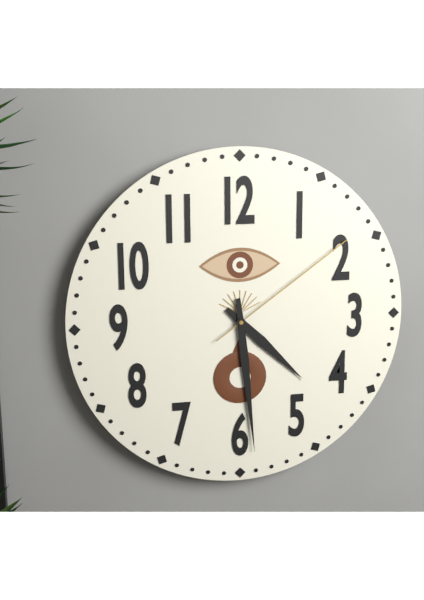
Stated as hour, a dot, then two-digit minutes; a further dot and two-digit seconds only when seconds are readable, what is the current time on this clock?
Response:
4.29.09
